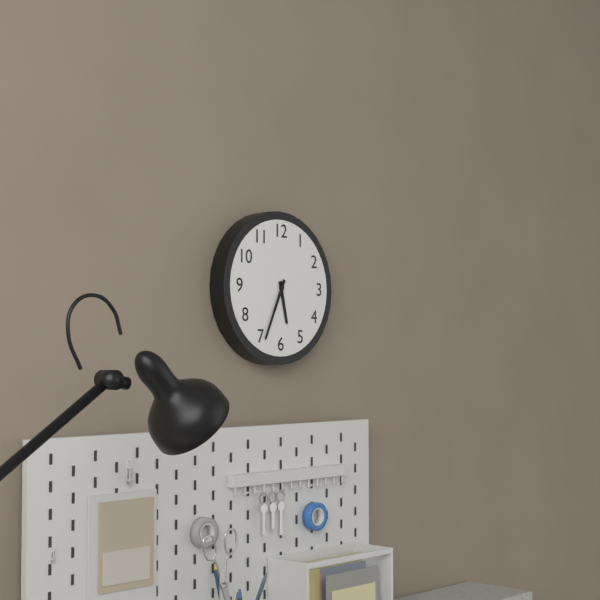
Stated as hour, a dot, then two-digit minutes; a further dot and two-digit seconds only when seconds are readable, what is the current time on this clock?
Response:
5.34
